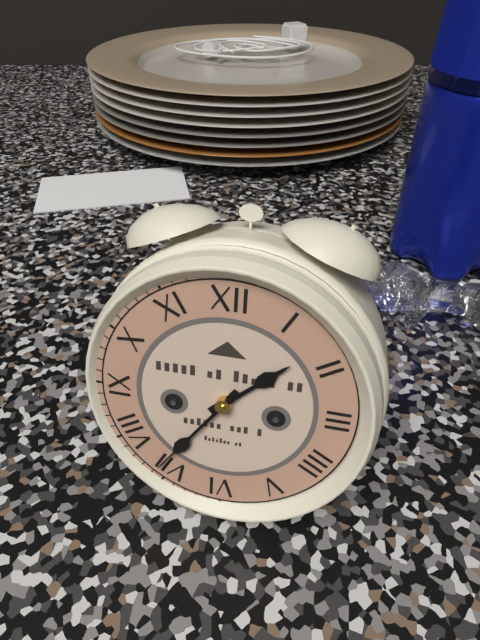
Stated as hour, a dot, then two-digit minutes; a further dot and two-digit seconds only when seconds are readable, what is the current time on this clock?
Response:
1.36
